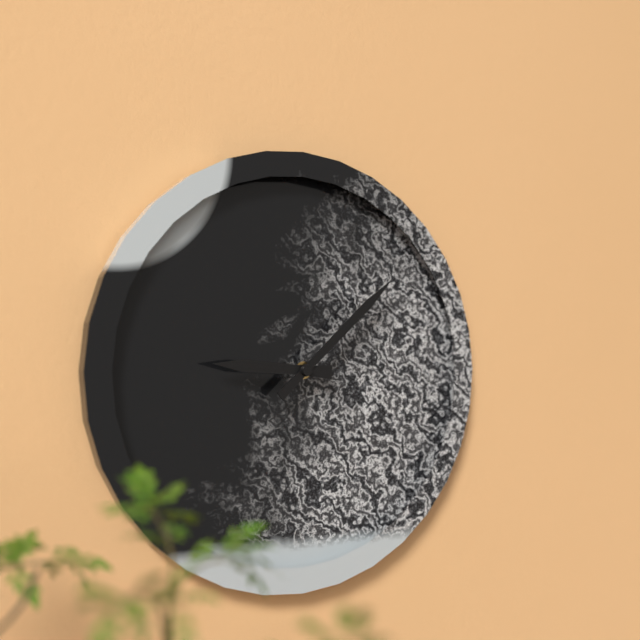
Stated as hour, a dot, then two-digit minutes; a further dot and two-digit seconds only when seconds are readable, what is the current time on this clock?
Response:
9.08
